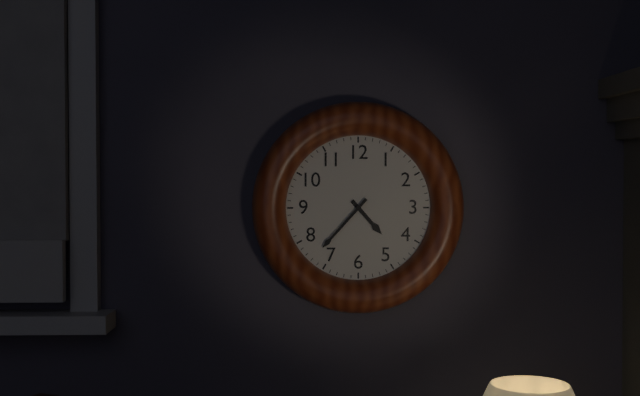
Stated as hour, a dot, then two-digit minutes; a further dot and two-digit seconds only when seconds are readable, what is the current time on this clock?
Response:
4.37
